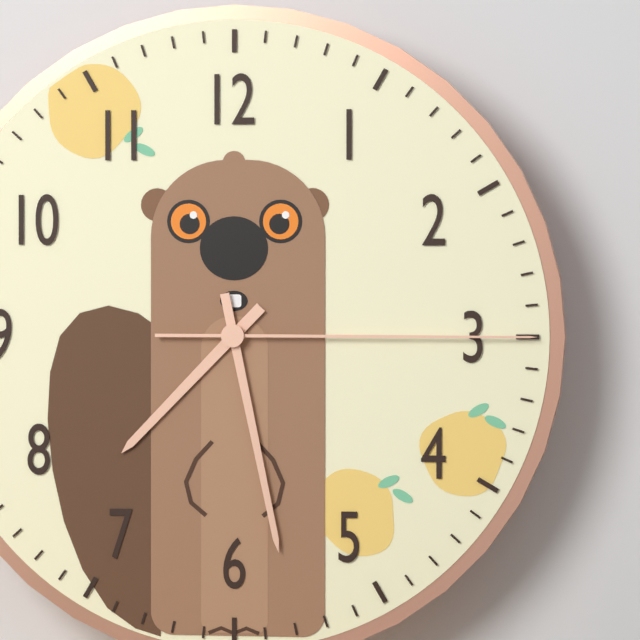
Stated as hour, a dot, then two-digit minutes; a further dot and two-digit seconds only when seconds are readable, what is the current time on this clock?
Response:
7.28.15
